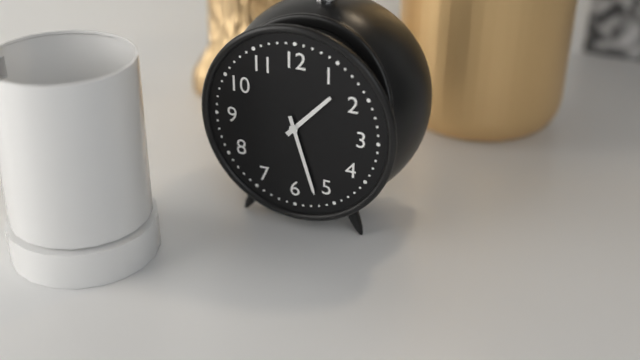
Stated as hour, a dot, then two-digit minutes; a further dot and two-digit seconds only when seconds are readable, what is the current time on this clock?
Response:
1.27
